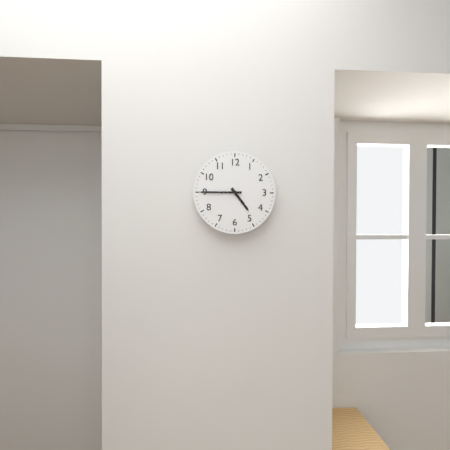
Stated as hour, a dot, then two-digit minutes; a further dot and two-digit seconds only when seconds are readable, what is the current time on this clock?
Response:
4.45
